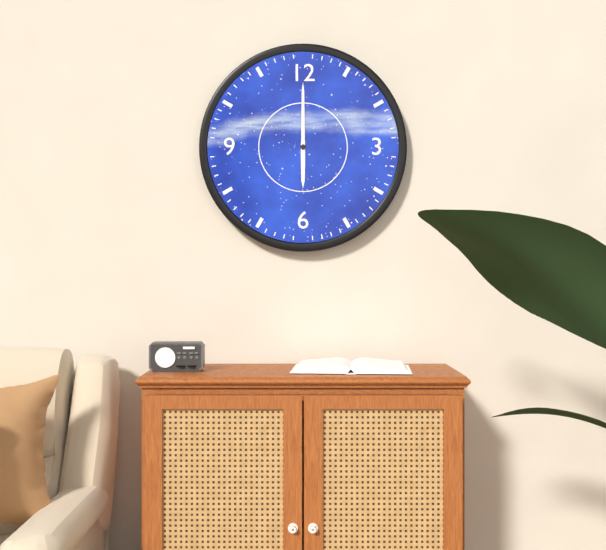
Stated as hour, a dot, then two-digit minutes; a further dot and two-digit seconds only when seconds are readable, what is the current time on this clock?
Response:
6.00
